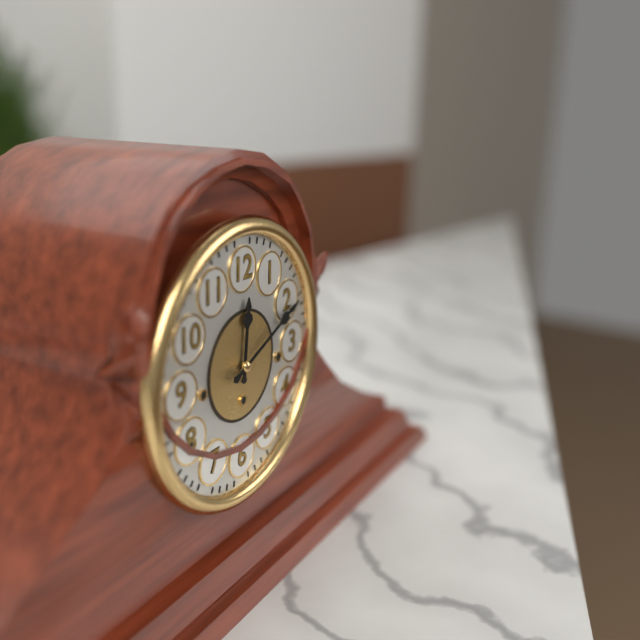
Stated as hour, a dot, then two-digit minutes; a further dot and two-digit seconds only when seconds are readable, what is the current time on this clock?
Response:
12.11
